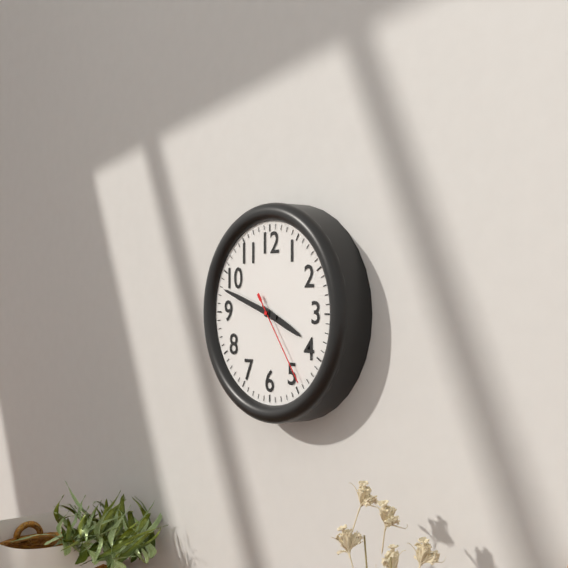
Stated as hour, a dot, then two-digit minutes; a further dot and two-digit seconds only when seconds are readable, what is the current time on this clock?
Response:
3.48.24
